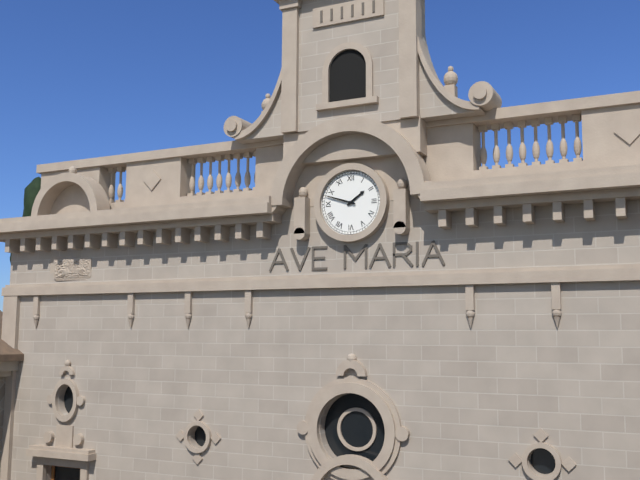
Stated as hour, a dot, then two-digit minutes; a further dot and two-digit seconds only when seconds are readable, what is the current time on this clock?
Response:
1.48
